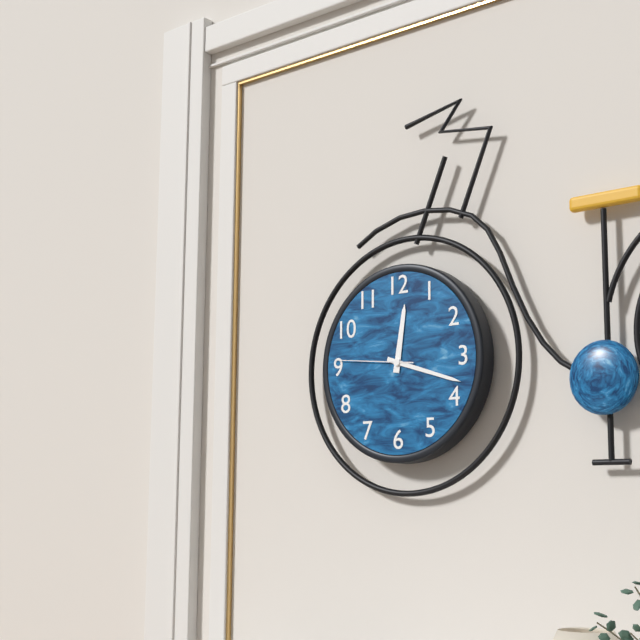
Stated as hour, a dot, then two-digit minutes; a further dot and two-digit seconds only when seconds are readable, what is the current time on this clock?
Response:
12.18.46
